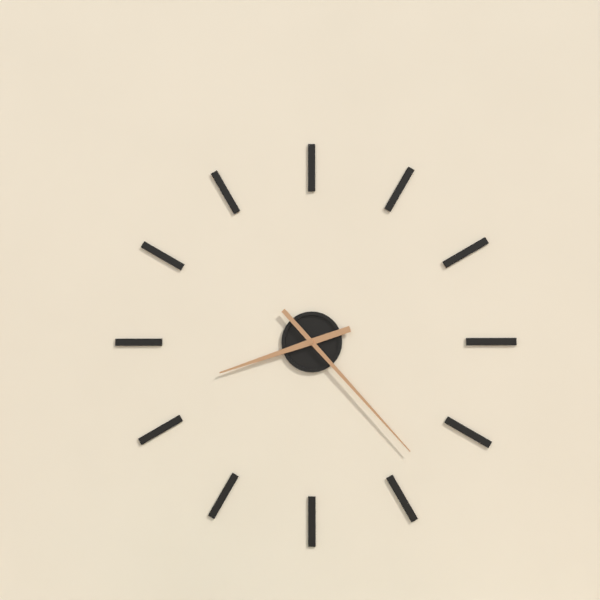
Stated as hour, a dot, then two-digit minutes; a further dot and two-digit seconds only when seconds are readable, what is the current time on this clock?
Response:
8.23
